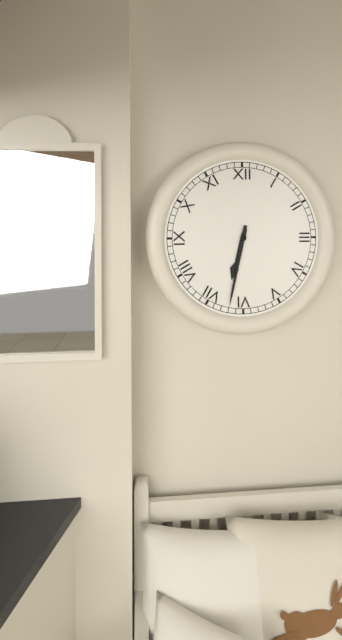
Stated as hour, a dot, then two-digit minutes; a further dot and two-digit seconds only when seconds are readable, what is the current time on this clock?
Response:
6.32
